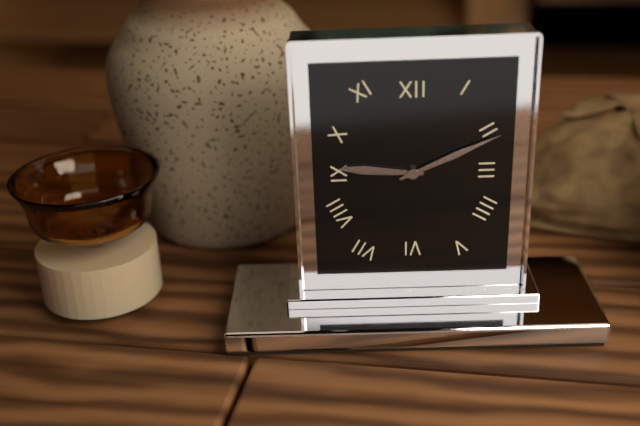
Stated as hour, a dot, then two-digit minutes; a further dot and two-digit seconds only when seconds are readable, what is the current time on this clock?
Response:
9.11
